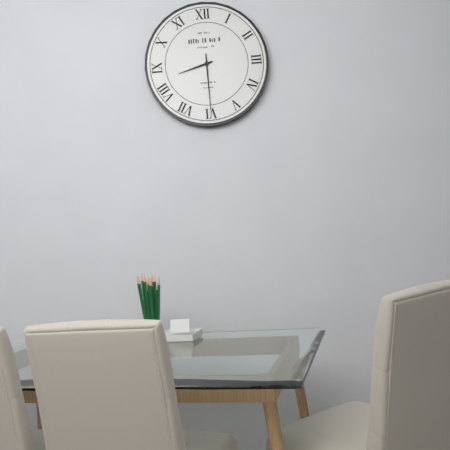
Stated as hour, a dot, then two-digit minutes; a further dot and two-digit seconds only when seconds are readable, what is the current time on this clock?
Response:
8.30
